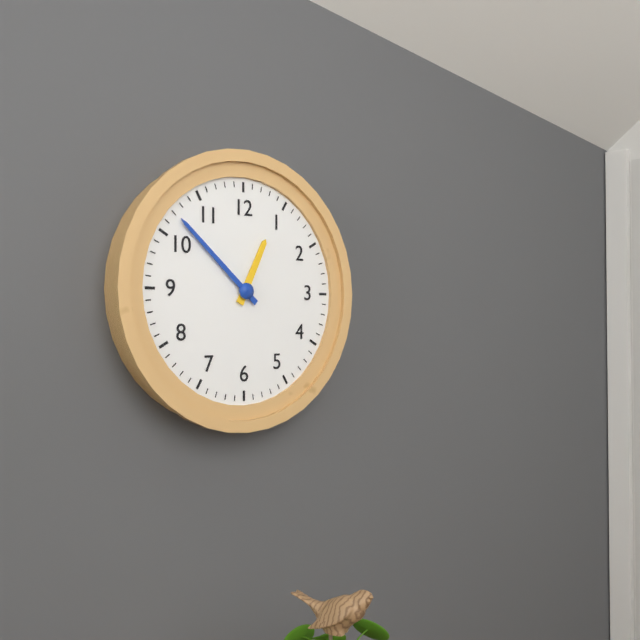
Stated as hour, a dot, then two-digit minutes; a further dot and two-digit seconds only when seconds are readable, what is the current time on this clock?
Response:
12.52
